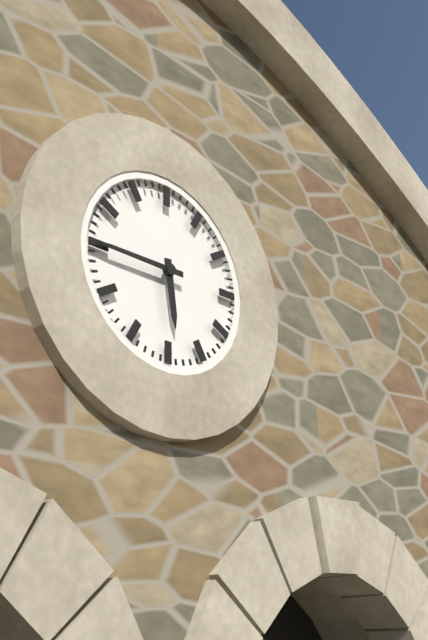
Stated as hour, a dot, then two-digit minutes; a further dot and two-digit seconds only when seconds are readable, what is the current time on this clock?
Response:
5.45
